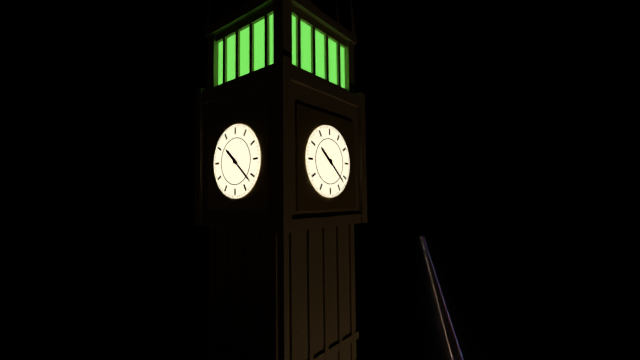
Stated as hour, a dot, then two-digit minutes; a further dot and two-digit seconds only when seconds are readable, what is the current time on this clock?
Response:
10.22
